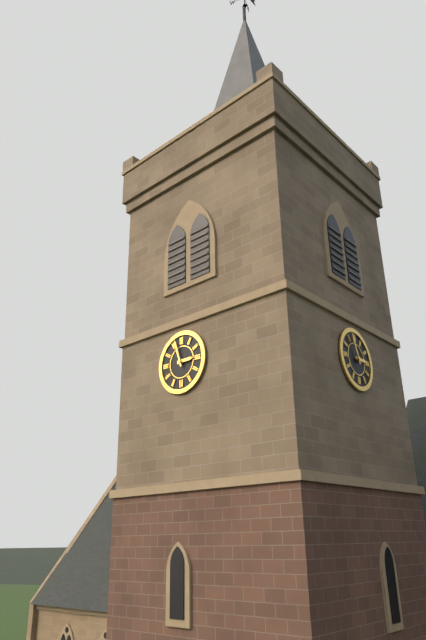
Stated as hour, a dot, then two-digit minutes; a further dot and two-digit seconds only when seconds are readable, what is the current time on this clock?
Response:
2.57
